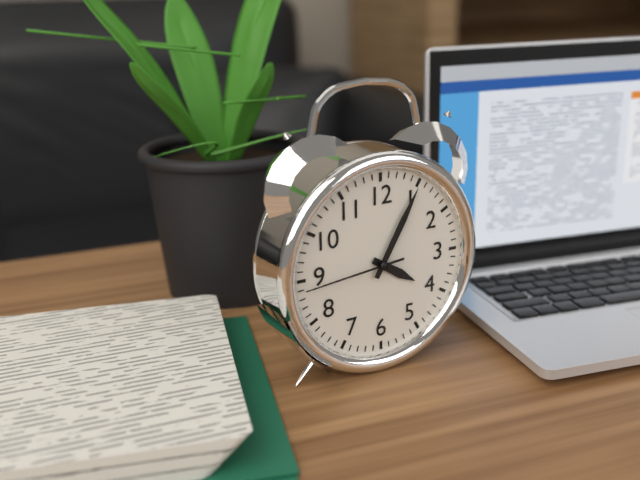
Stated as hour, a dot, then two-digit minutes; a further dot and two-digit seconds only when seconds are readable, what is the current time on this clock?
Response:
4.05.44
